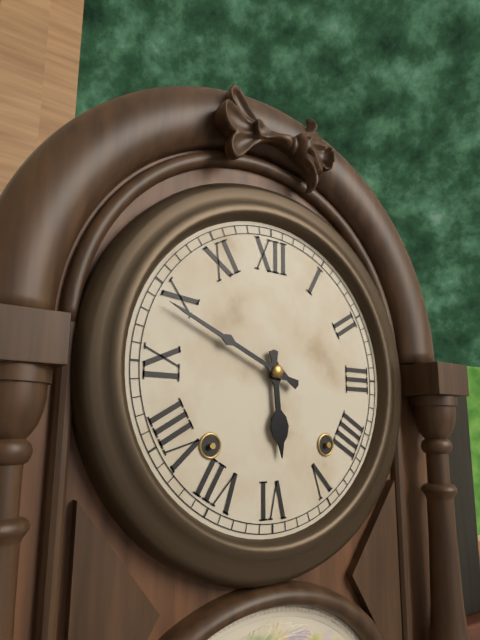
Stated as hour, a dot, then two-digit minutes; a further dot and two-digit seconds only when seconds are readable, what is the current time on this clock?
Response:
5.49
